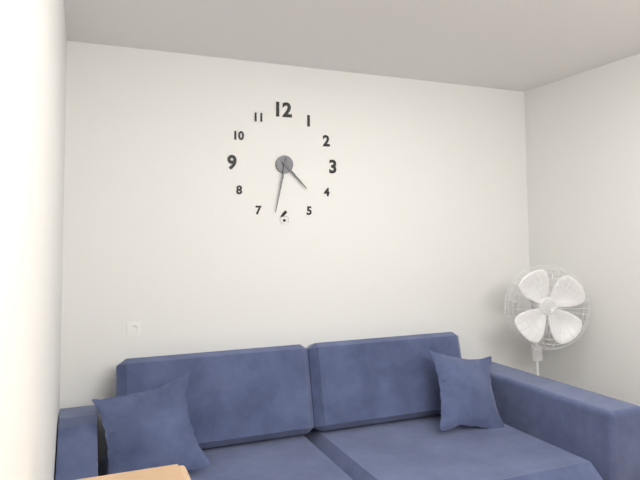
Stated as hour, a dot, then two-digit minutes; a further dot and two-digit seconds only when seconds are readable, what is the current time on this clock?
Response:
4.32
